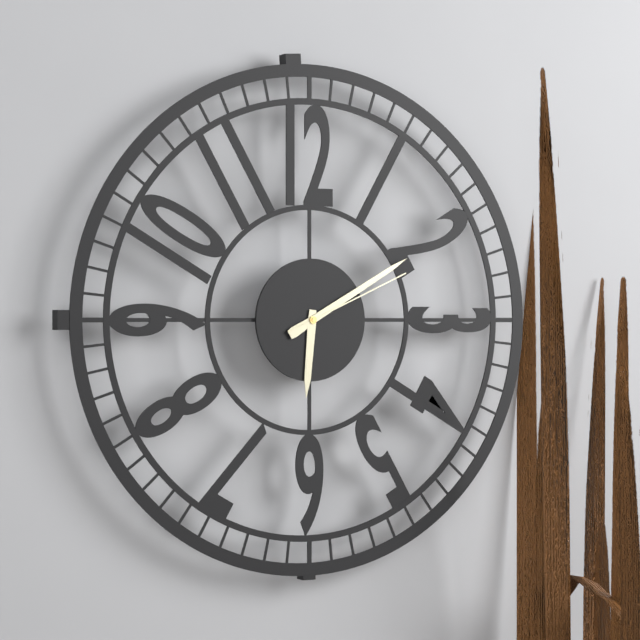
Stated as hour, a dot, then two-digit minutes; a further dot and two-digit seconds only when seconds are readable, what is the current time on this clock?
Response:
6.10.11
